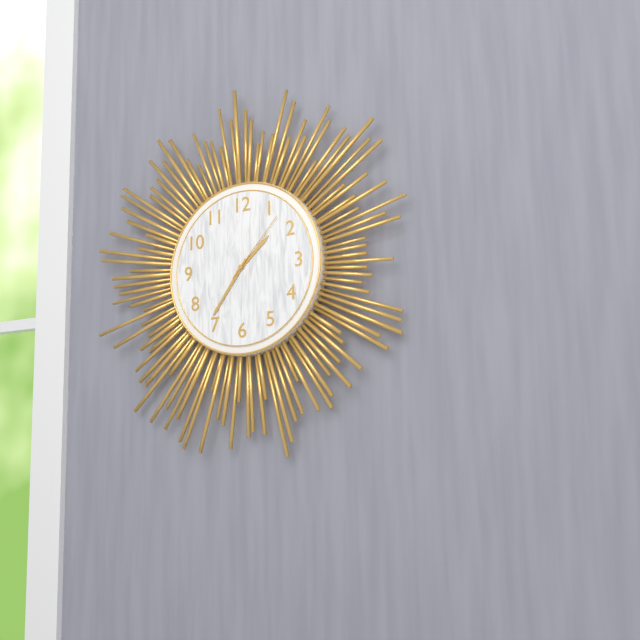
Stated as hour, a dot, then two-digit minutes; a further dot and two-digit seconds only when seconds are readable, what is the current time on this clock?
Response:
1.36.07
